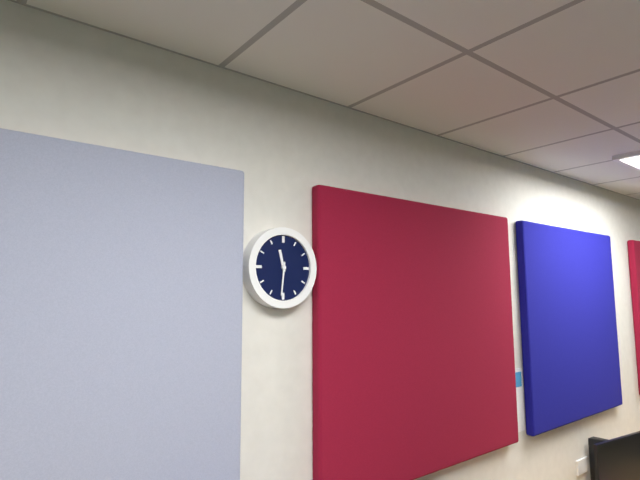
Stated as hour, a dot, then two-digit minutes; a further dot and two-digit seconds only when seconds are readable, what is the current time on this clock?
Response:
11.31
